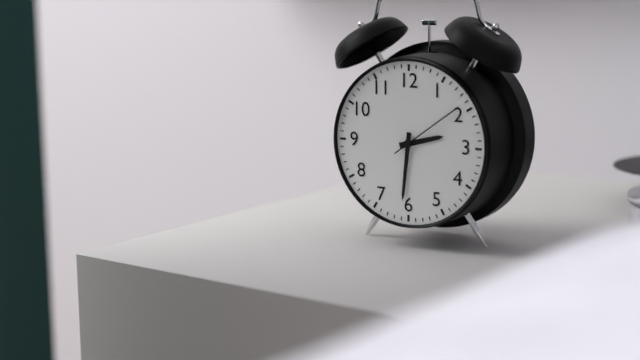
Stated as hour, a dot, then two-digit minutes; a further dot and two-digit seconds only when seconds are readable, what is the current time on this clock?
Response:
2.31.09
